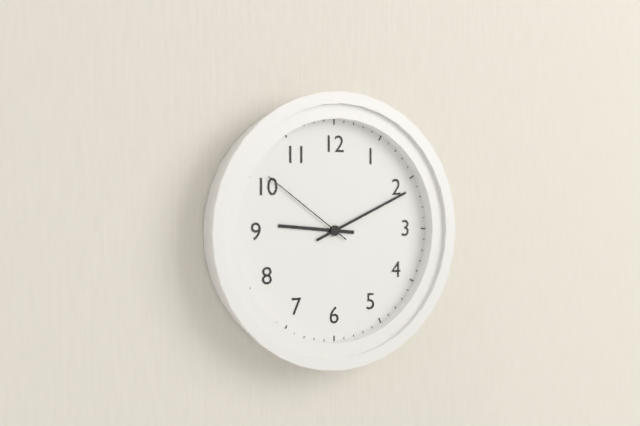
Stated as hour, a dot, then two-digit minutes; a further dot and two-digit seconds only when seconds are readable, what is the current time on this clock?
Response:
9.11.51
